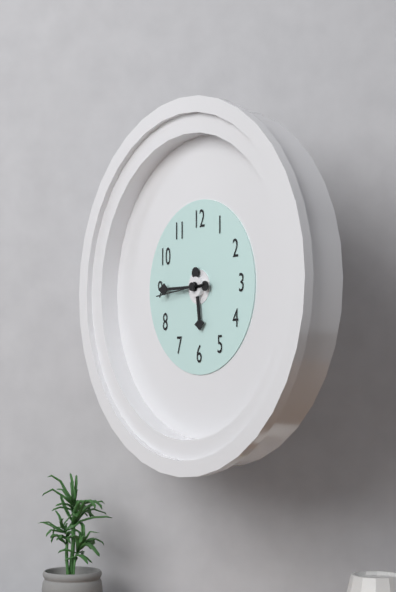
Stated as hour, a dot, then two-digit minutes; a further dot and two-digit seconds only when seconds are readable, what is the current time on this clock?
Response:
5.45.44
